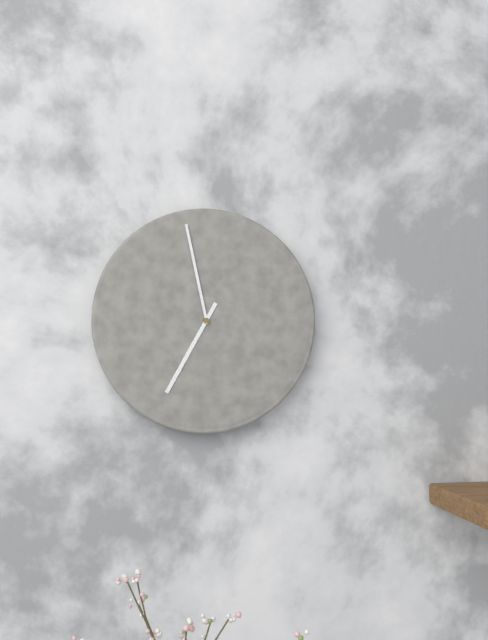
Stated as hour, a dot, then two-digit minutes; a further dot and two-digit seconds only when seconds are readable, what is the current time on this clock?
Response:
6.58
